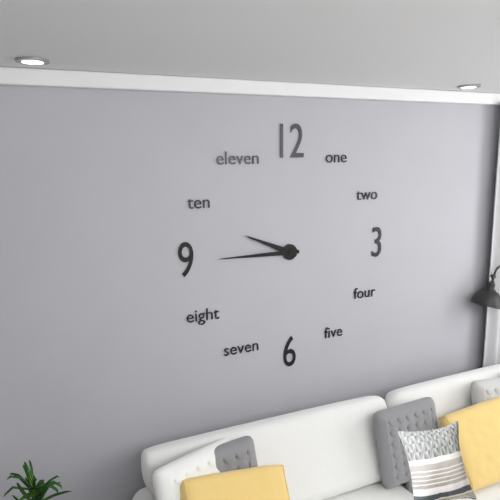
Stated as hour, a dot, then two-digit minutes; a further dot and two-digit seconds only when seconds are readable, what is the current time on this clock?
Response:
9.45
